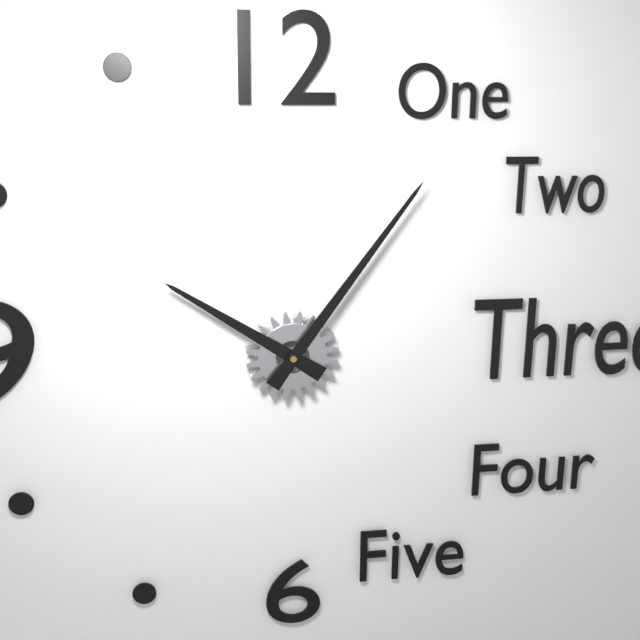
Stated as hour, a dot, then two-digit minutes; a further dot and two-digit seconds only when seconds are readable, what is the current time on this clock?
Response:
10.06
